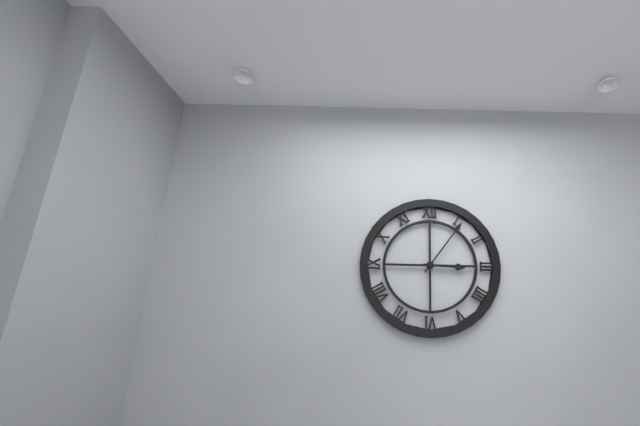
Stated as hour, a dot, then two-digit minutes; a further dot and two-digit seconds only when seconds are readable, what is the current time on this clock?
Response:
3.06
